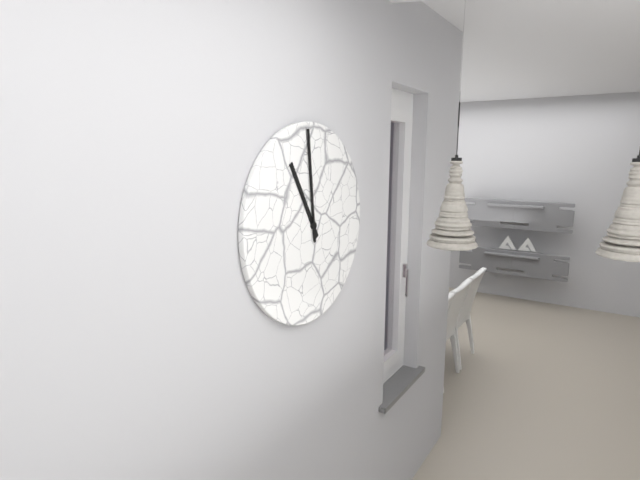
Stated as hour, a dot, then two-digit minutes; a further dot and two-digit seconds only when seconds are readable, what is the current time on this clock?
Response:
10.59
